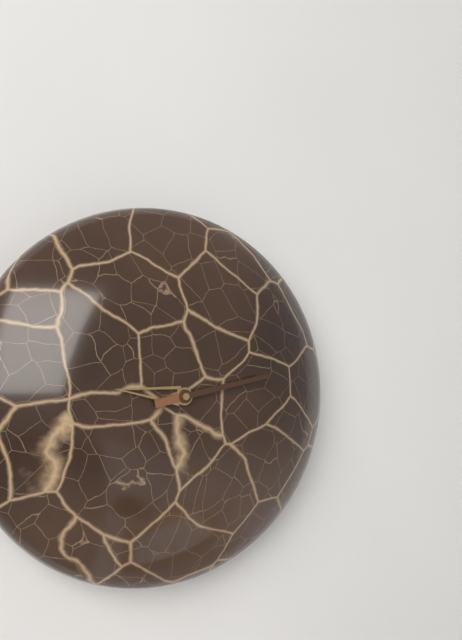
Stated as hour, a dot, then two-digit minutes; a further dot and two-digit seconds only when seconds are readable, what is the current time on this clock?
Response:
9.13
